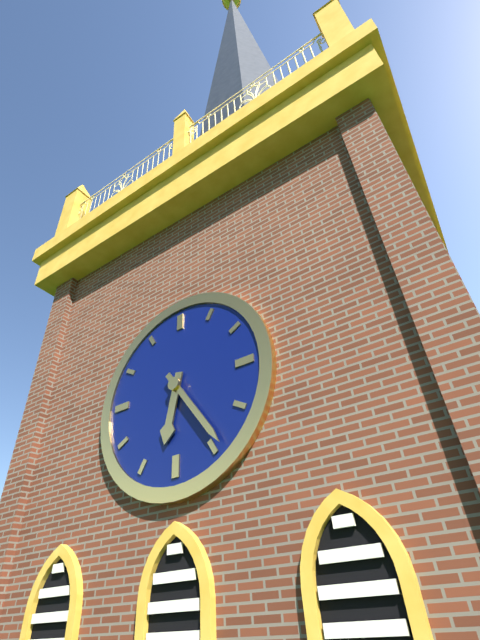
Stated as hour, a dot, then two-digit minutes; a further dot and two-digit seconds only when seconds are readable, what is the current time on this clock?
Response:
6.24
